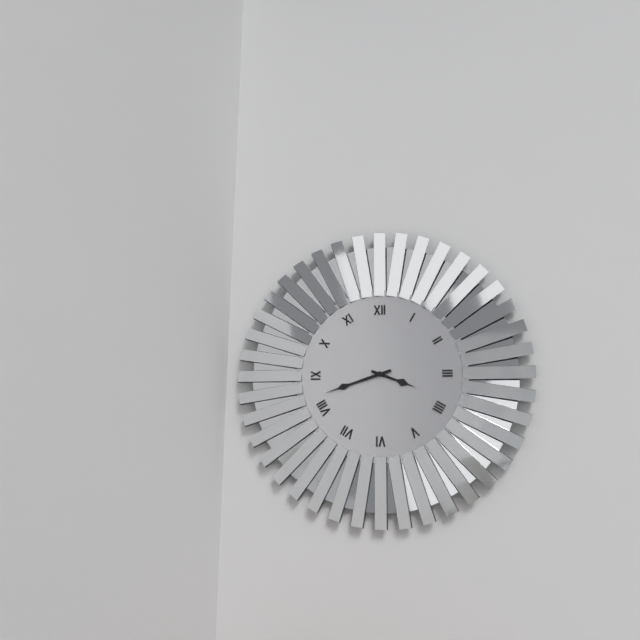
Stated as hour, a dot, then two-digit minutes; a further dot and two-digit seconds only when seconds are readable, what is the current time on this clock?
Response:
3.42
